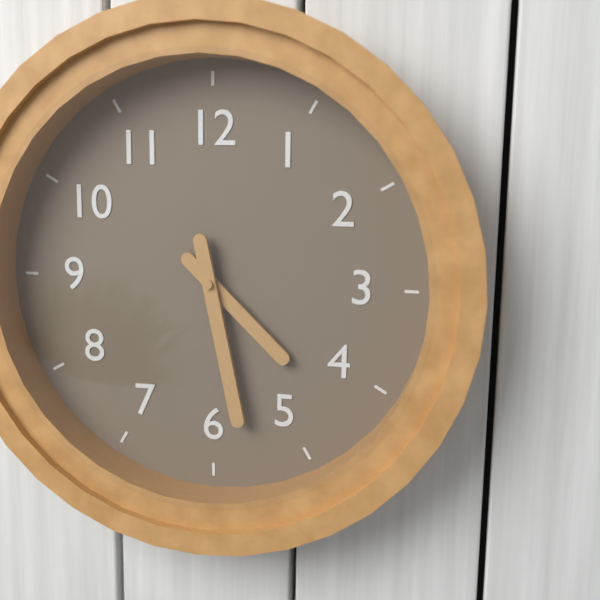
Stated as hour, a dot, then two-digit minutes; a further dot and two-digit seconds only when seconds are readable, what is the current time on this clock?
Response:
4.28
